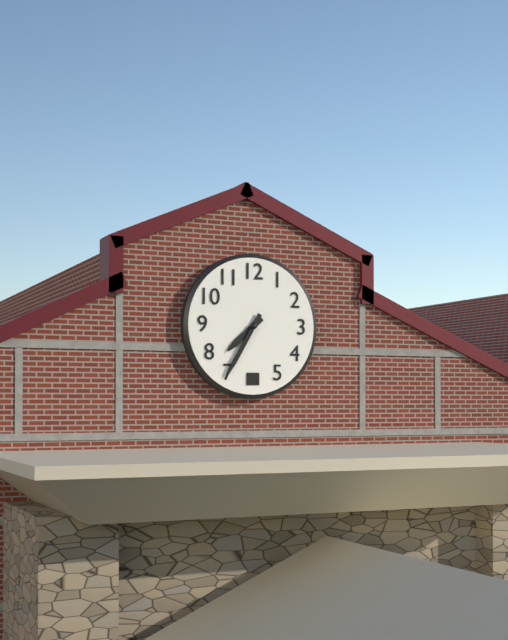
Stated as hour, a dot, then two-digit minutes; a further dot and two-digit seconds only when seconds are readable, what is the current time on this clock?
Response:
7.35
